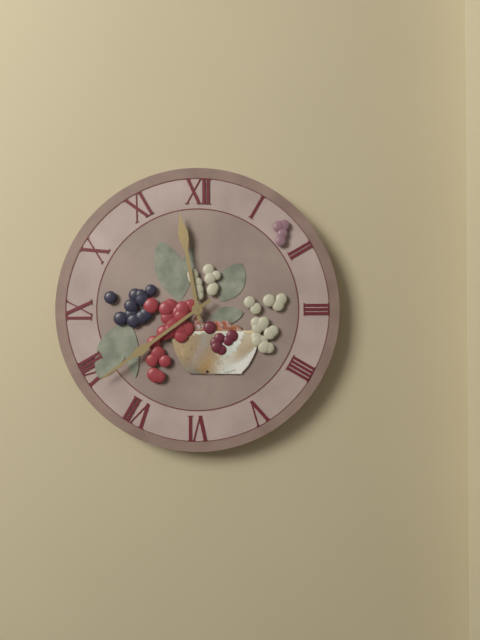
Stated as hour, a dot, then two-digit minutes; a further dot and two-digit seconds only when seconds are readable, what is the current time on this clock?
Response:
11.39
